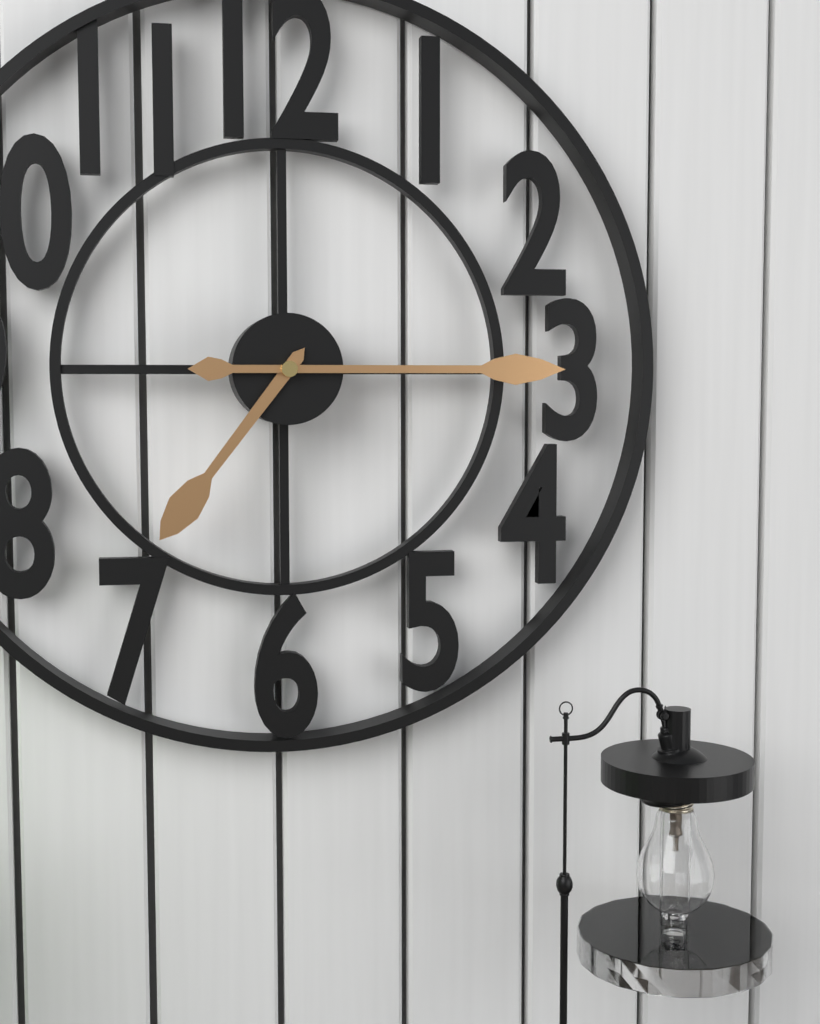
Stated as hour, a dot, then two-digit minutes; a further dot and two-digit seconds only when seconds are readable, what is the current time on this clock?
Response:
7.15
